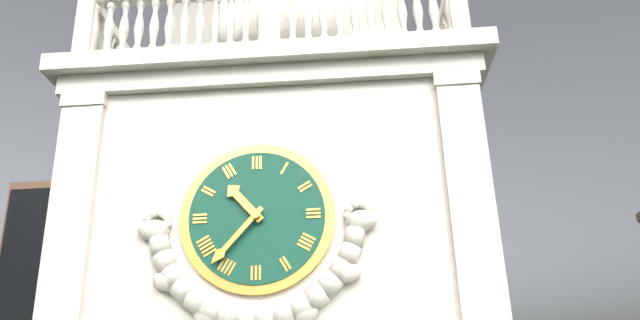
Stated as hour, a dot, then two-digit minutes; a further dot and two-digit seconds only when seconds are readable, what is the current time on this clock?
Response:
10.37
